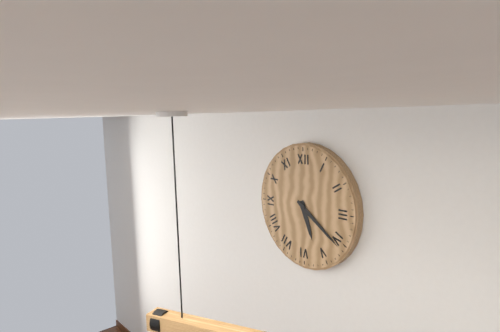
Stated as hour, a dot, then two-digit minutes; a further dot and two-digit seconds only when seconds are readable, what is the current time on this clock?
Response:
5.21
